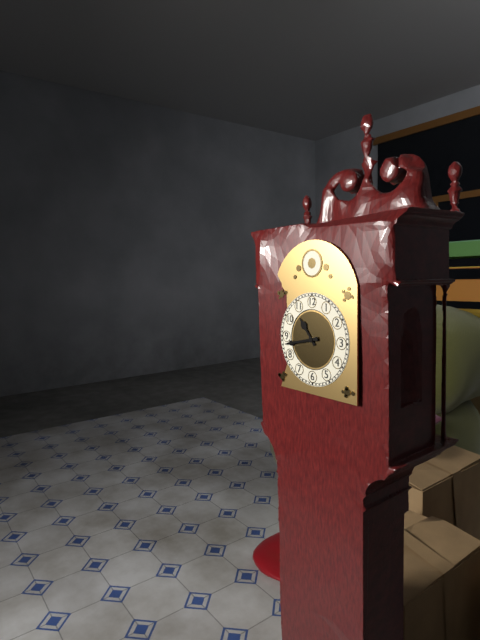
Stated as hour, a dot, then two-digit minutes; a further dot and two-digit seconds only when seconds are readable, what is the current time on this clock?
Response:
10.43
